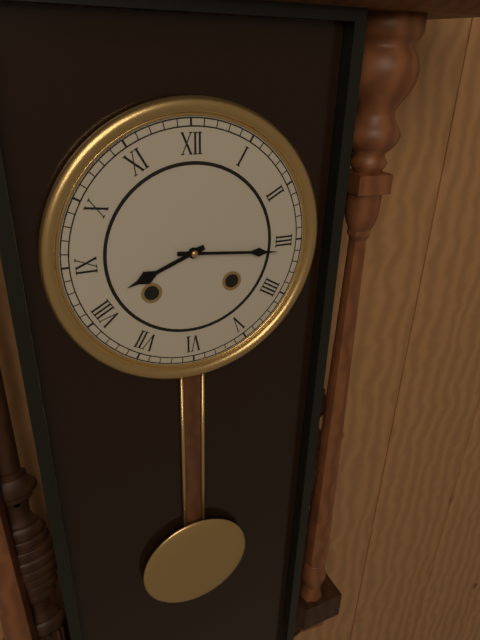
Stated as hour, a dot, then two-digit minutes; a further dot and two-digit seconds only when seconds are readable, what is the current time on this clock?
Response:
8.16
